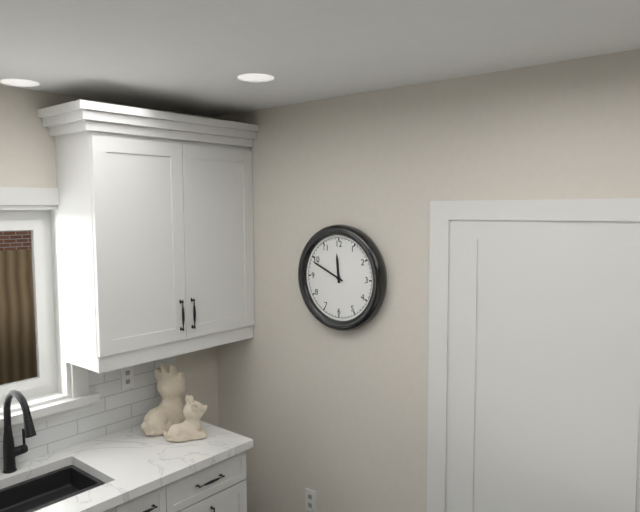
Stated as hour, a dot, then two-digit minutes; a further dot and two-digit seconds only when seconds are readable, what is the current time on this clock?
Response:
11.49
